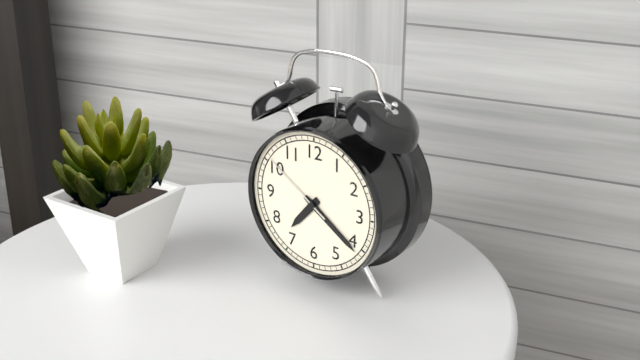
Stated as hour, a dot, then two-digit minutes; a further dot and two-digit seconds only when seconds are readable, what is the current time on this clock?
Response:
7.21.51
